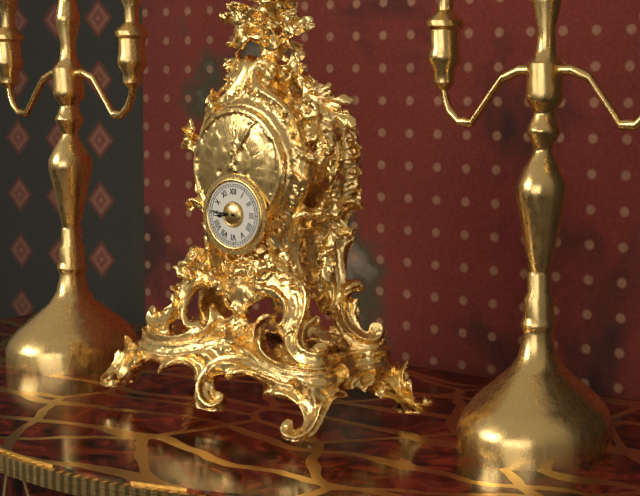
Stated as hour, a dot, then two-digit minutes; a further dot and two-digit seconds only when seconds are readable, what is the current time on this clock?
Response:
8.46
